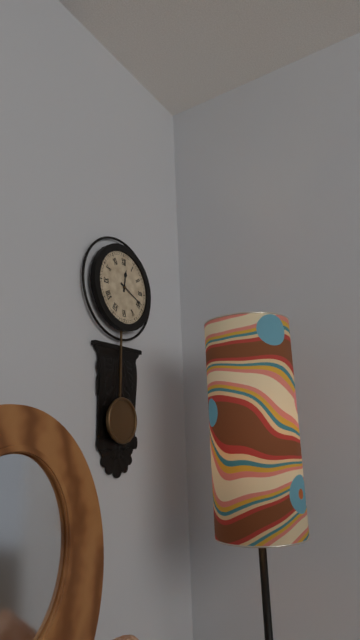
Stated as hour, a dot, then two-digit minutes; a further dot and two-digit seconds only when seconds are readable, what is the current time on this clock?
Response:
12.19
